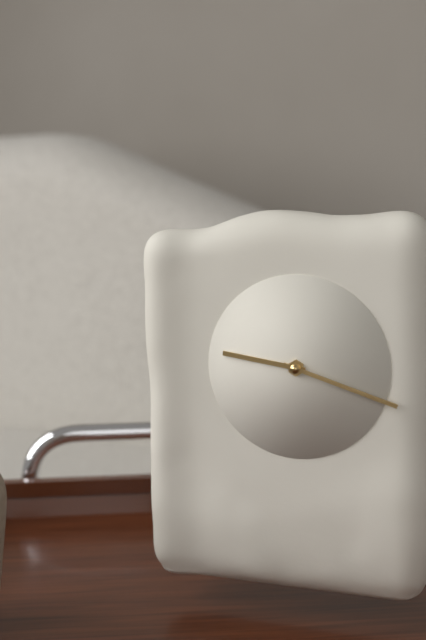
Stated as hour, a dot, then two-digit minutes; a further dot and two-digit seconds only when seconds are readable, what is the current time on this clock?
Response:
9.18
